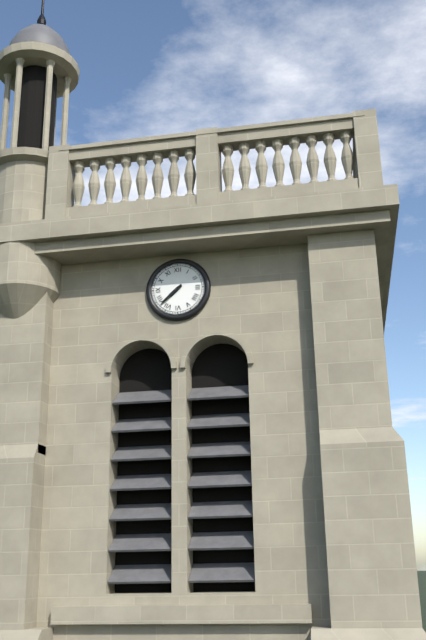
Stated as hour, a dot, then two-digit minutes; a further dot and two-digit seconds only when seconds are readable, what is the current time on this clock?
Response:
7.38
